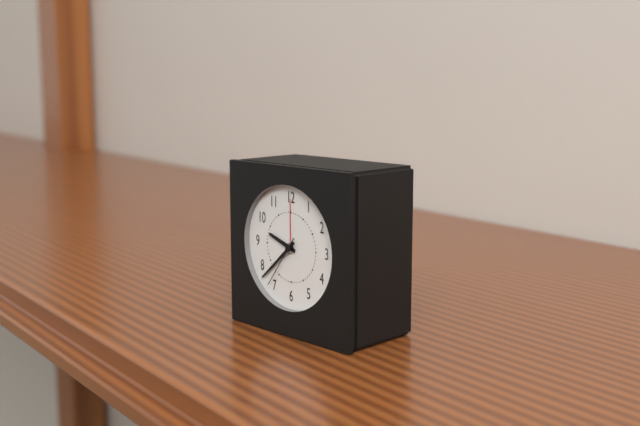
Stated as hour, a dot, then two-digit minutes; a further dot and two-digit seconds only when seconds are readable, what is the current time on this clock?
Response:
9.38.36
